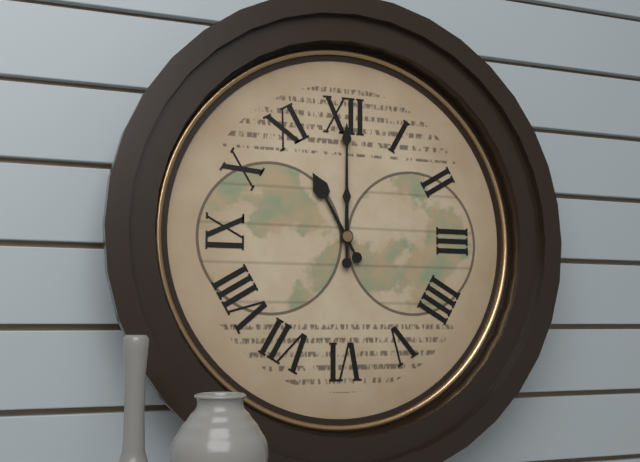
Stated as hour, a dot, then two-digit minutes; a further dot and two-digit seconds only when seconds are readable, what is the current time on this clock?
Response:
11.00
